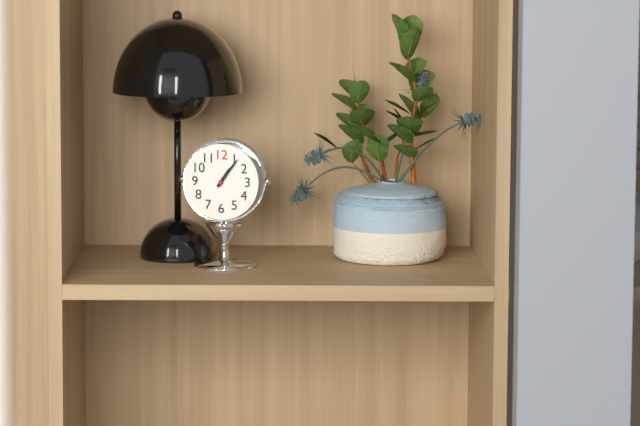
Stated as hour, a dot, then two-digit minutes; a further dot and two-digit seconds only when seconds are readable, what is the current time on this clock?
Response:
1.06
